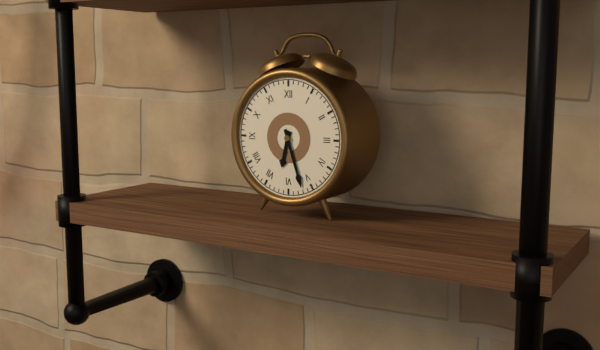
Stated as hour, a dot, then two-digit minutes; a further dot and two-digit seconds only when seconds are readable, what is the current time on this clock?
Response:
6.27
